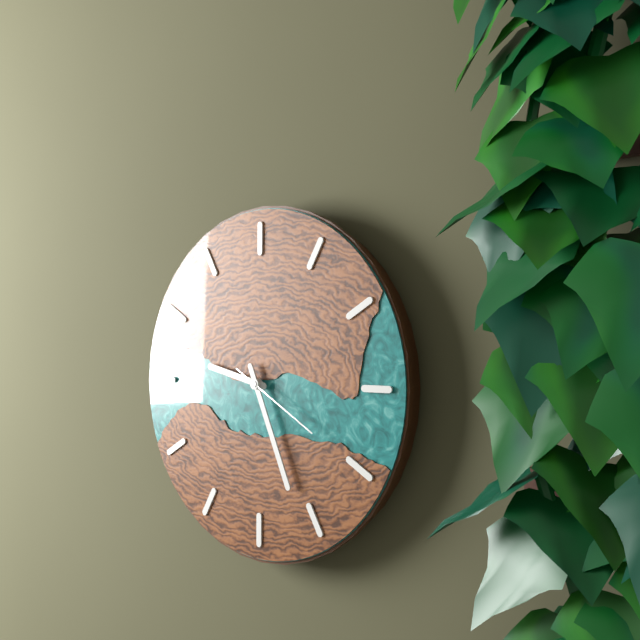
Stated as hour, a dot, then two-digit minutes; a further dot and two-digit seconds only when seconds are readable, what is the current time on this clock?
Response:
9.26.20
